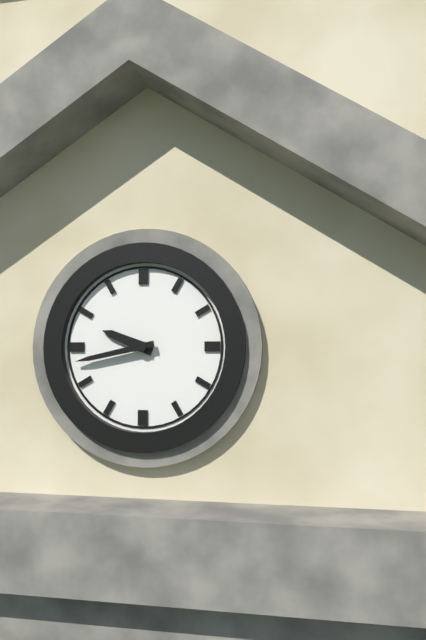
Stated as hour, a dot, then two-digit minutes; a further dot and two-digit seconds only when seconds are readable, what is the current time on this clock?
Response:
9.43
